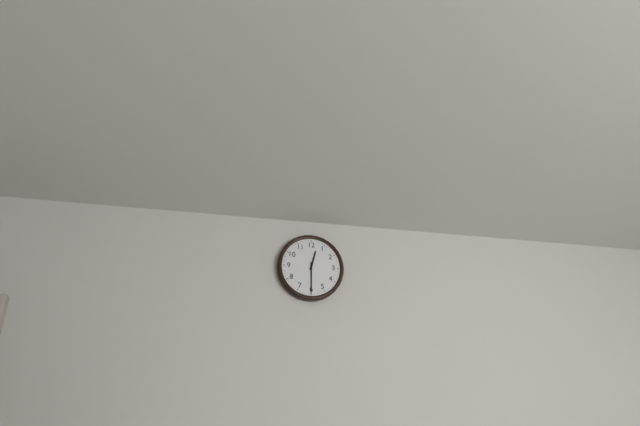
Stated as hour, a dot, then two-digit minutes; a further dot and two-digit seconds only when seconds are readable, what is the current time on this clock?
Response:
12.30
